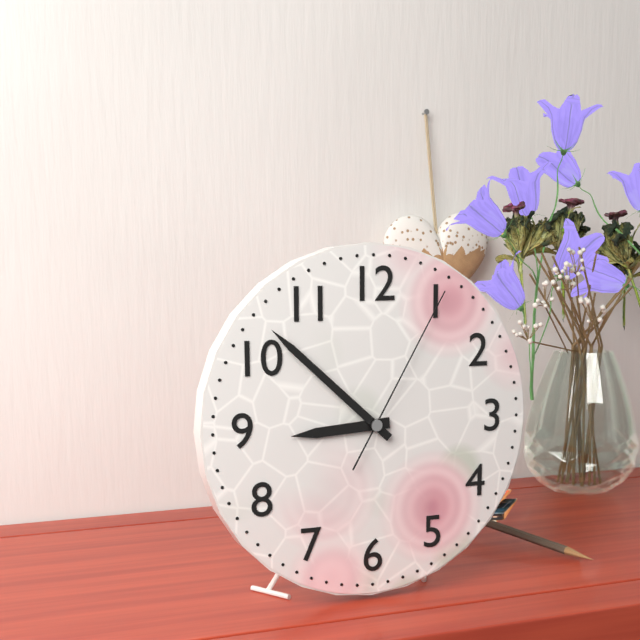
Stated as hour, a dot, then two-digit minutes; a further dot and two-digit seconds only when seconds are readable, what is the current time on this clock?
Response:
8.52.05
